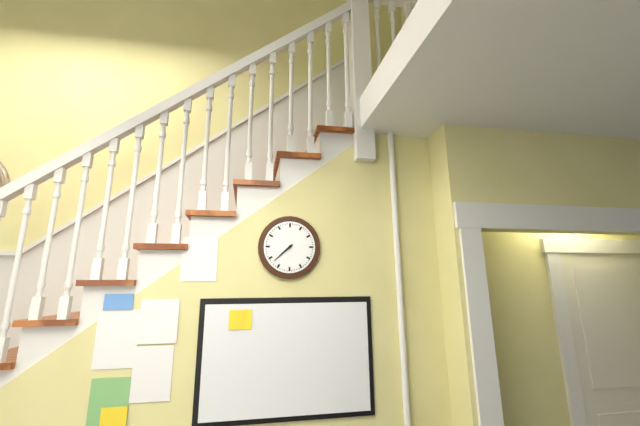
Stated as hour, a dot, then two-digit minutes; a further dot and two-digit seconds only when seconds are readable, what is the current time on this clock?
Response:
7.38
